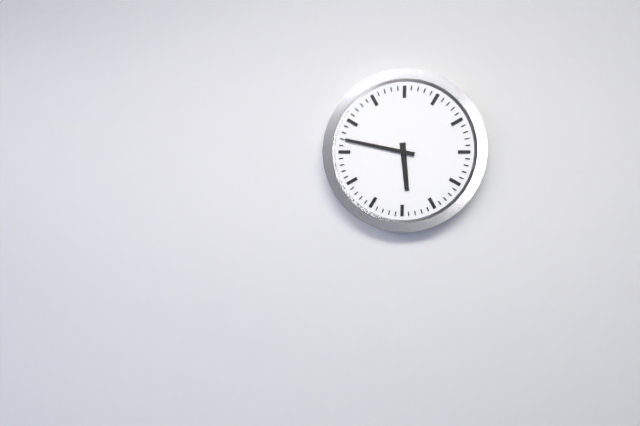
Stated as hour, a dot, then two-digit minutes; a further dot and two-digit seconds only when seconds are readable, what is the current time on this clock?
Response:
5.47
